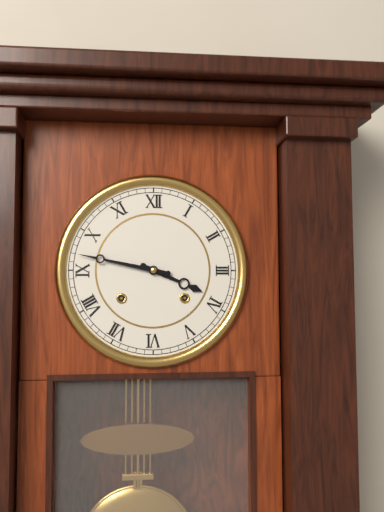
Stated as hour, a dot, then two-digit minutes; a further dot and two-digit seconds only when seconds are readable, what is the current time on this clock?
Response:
3.47
